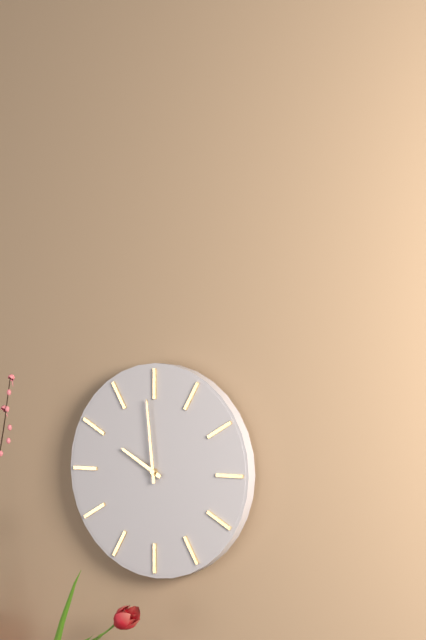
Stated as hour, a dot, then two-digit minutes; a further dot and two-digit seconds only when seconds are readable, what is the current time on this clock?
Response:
9.59
